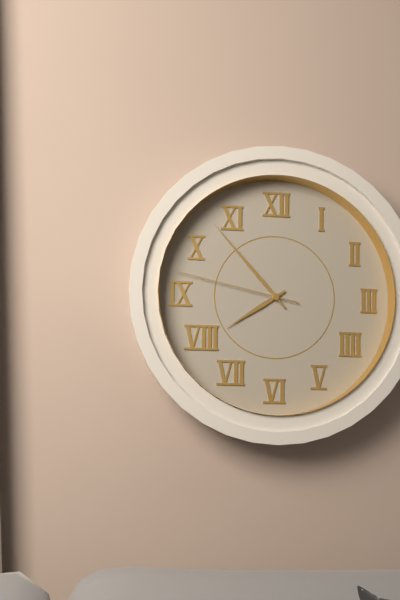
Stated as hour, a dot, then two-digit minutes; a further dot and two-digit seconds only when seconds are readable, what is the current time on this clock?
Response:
7.53.47
